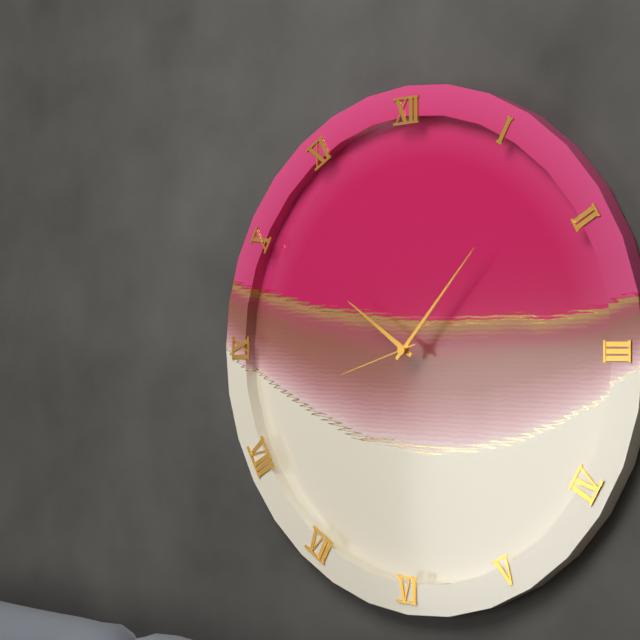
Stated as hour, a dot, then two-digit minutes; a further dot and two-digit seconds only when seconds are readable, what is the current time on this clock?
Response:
10.07.42
